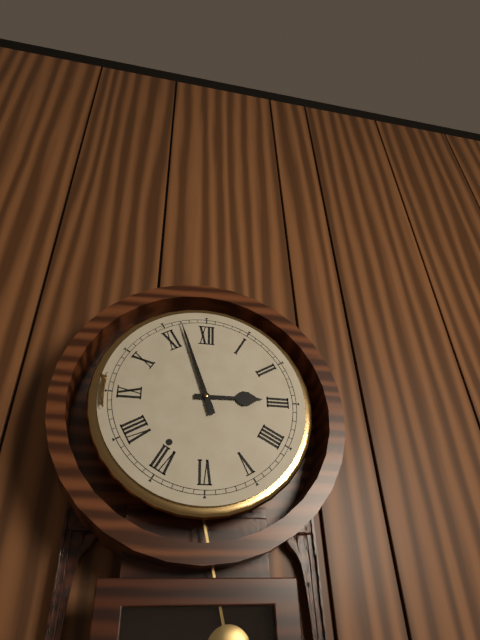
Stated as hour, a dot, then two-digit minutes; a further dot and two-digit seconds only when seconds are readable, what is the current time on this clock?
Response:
2.57
